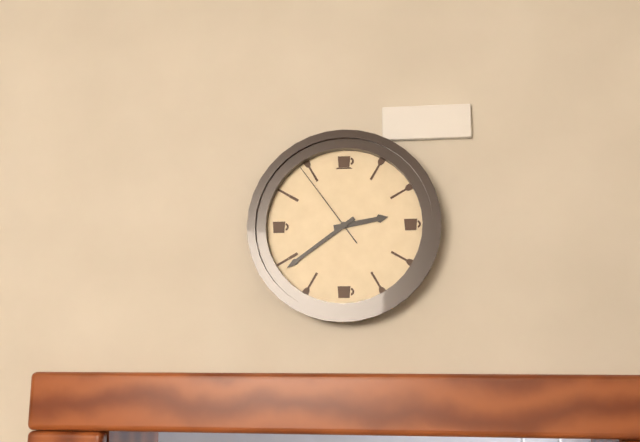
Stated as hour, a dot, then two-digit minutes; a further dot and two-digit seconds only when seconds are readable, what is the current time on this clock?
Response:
2.39.54
